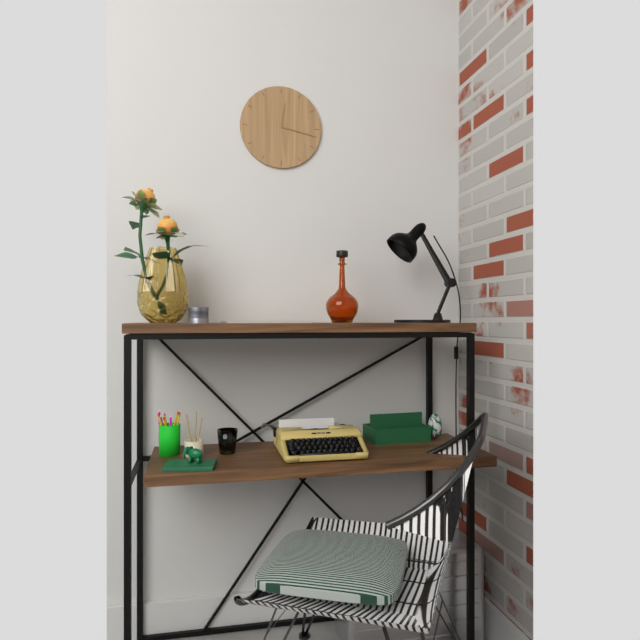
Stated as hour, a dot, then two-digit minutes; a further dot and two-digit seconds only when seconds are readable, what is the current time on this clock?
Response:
12.17
